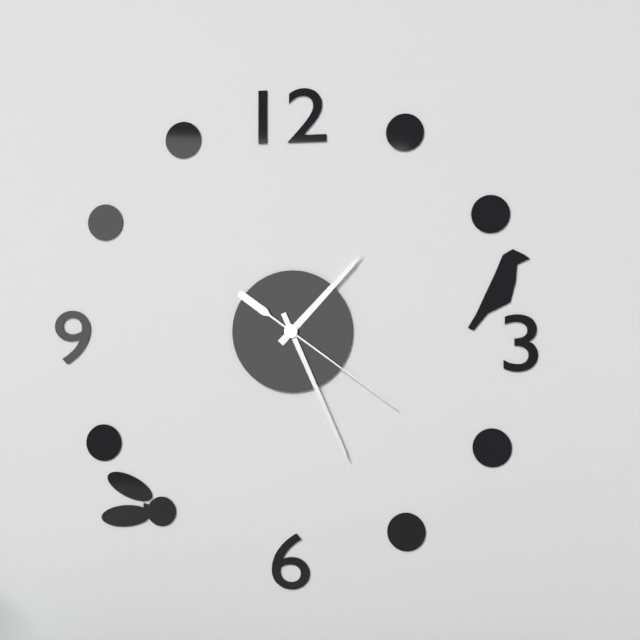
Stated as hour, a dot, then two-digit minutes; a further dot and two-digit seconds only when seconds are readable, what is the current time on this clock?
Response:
1.26.21
